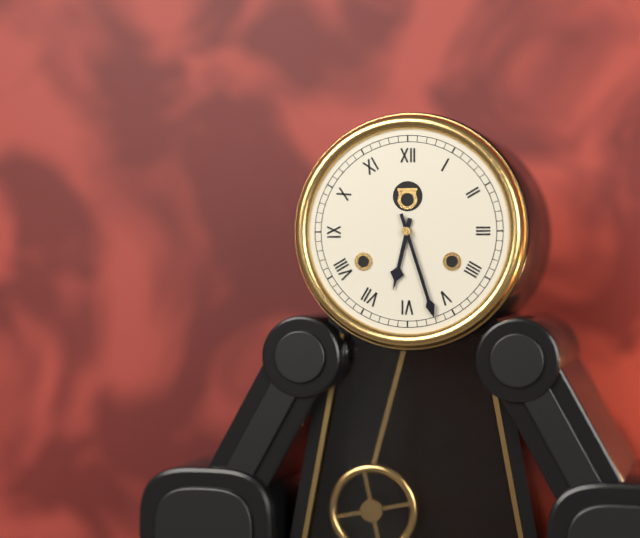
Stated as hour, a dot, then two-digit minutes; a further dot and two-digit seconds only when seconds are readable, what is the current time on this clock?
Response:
6.27
